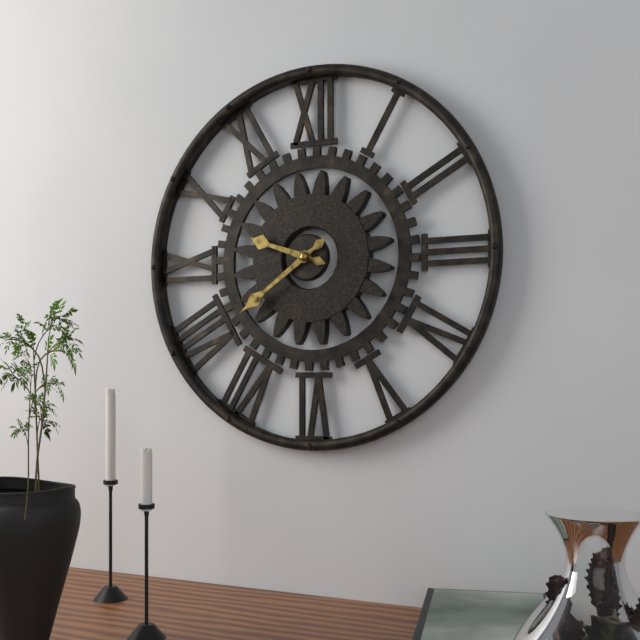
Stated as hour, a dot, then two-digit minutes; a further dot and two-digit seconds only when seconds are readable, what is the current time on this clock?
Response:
9.39
